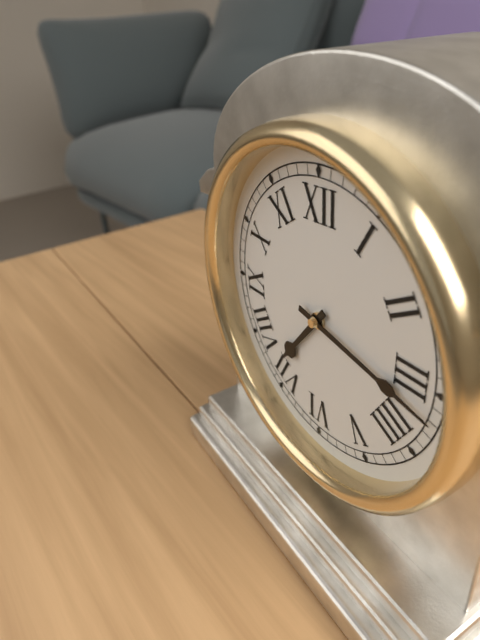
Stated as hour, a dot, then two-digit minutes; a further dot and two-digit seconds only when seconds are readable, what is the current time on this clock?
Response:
7.17
